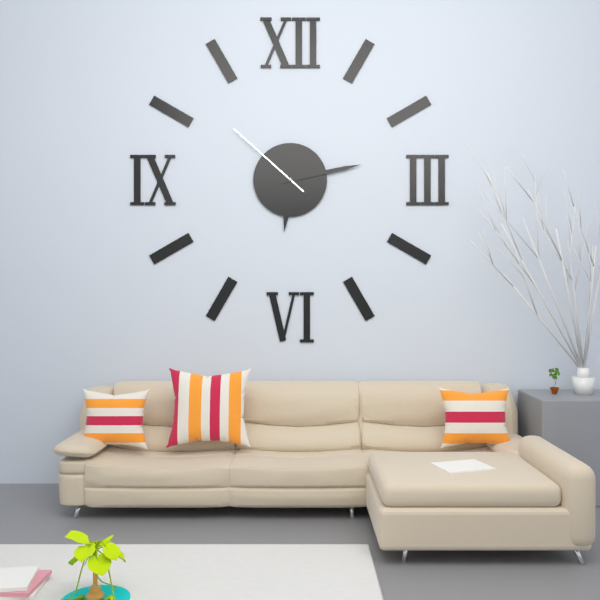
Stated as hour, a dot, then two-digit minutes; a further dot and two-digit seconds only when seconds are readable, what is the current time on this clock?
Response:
6.13.52
